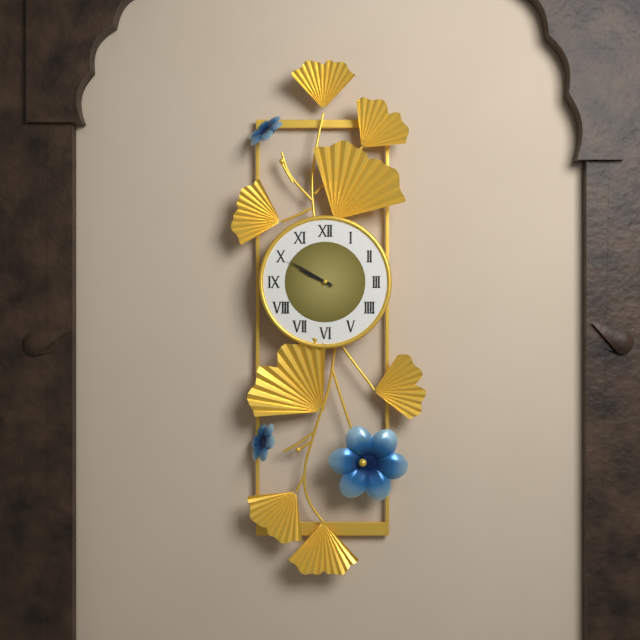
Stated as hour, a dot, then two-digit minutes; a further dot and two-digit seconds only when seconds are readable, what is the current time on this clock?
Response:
9.50
